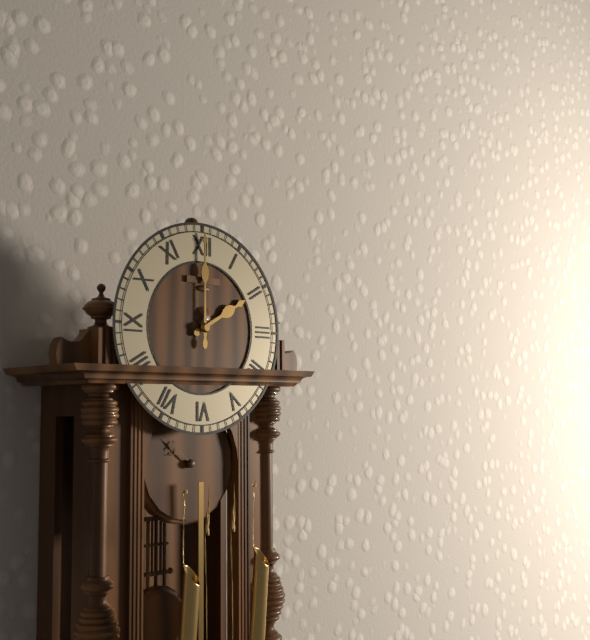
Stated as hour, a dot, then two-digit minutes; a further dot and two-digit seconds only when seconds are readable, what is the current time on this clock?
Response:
2.00
